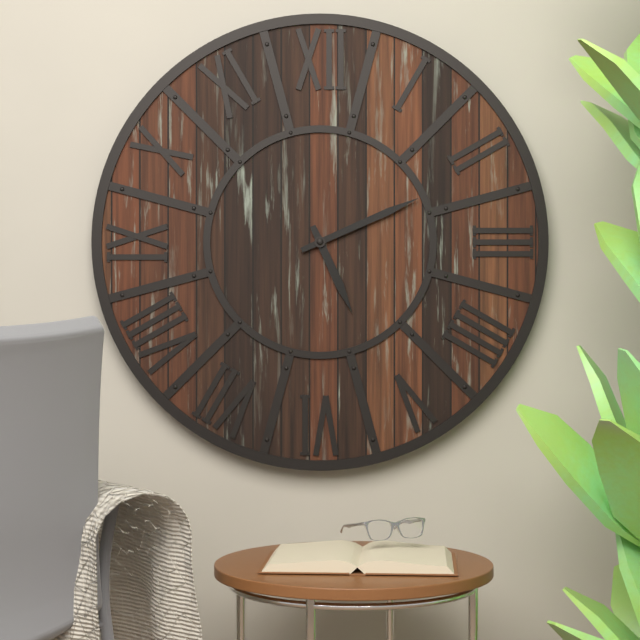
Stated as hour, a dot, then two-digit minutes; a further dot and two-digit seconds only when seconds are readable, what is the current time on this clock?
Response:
5.11
